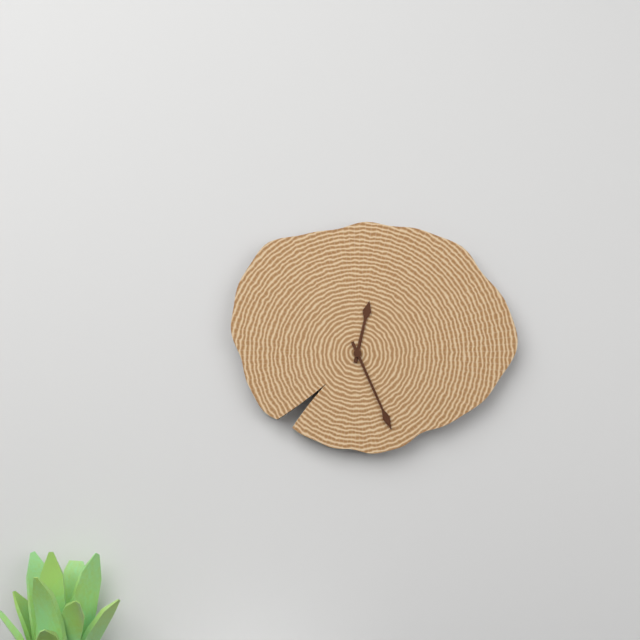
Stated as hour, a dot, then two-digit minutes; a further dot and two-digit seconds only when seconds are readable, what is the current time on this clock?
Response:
12.26
